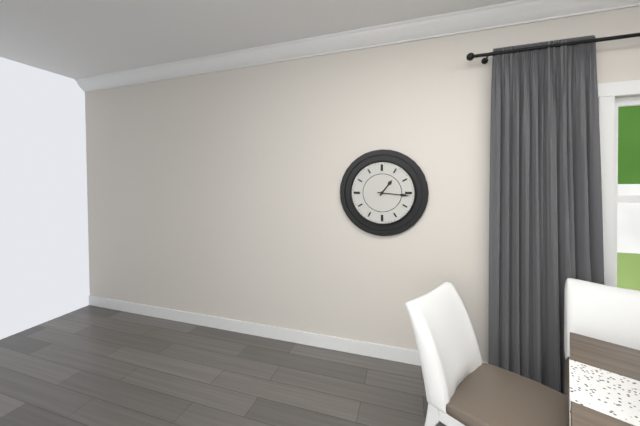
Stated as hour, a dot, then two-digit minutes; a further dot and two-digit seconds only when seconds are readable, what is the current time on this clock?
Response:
1.16
